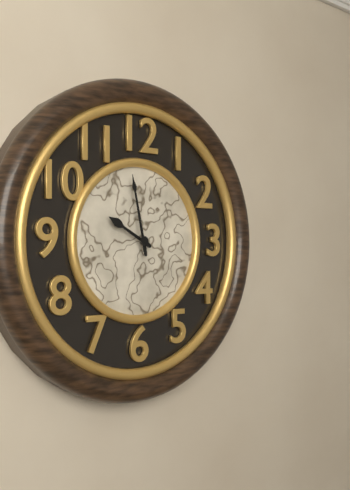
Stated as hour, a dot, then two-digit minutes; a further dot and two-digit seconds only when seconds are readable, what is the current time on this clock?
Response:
9.58
